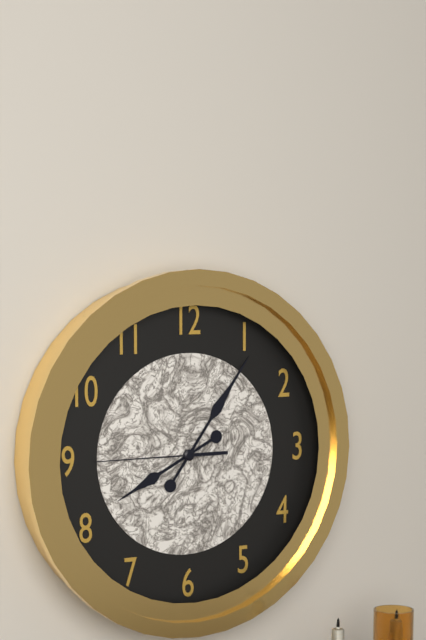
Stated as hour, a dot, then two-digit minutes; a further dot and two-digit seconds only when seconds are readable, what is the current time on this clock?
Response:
8.06.45
